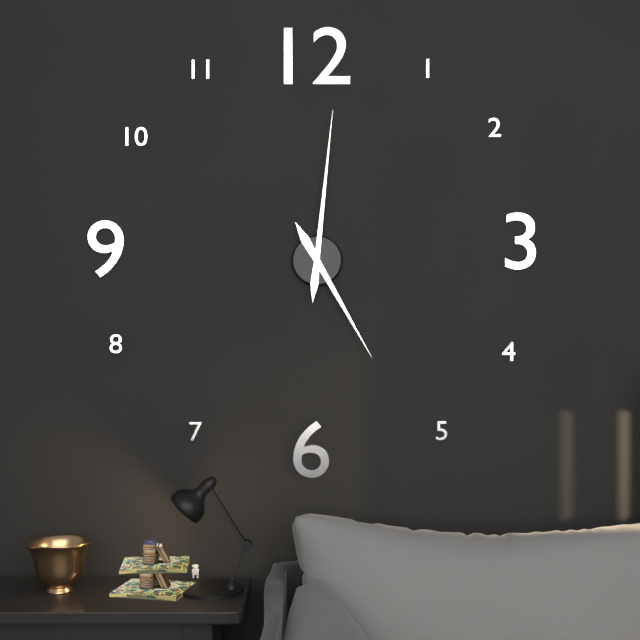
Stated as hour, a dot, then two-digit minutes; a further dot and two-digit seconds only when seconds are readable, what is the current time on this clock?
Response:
5.01
